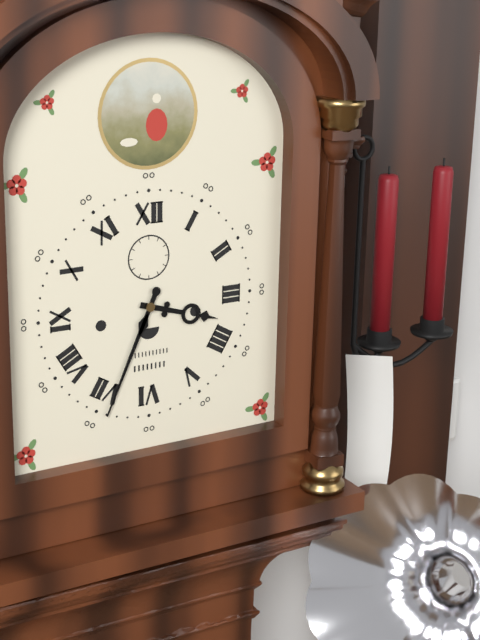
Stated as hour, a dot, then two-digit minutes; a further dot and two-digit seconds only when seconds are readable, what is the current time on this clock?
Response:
3.34
